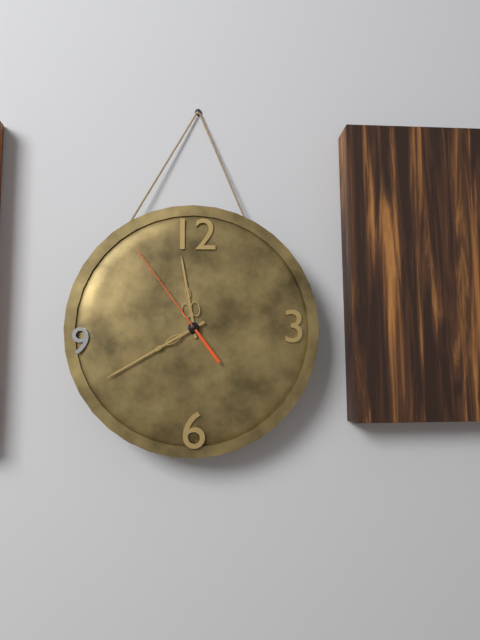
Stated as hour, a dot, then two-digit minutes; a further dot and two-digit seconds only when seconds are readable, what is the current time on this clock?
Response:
11.40.54
